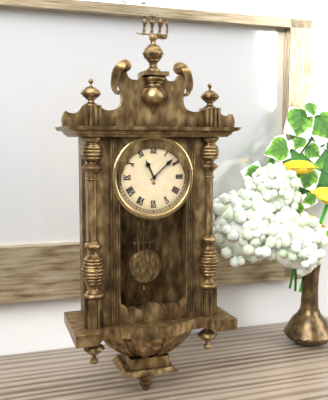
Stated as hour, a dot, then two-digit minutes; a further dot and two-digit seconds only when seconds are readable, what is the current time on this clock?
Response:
11.08
